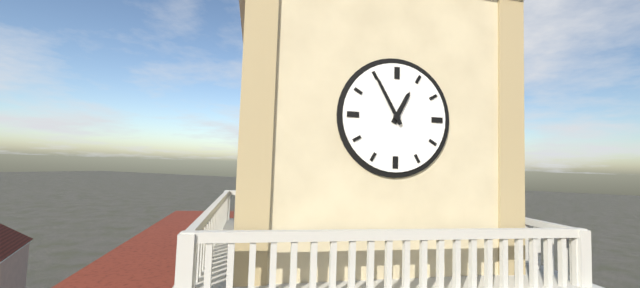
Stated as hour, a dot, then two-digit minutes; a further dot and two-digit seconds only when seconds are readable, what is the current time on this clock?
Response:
12.55
